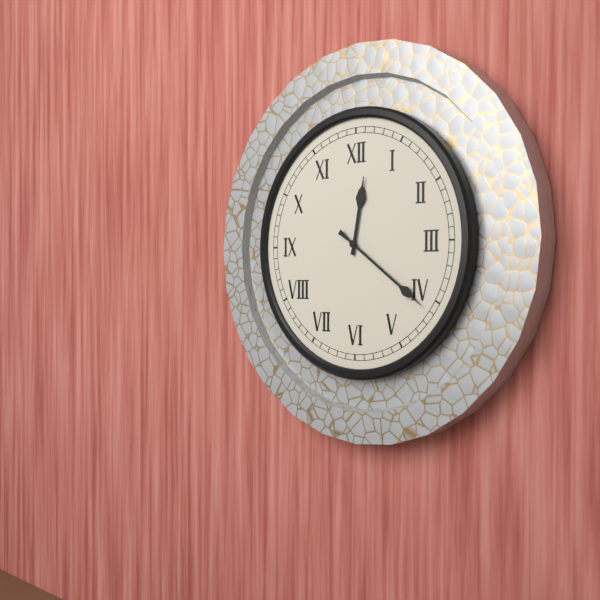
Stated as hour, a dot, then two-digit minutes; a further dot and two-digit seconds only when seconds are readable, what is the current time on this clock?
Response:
12.21
